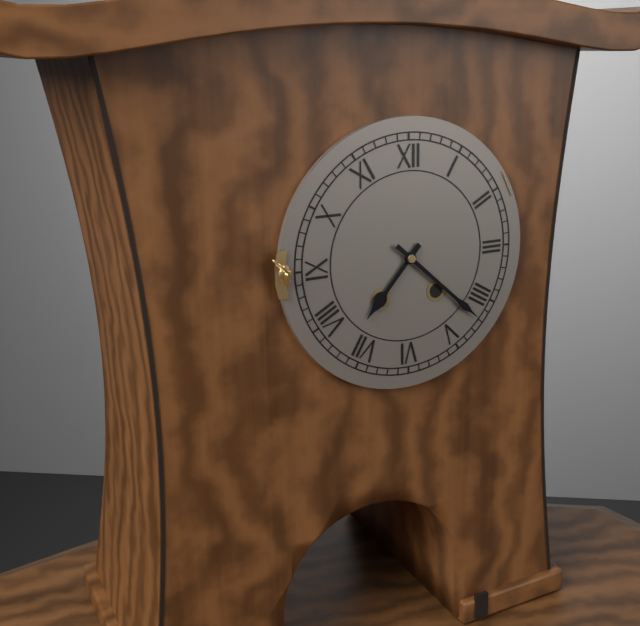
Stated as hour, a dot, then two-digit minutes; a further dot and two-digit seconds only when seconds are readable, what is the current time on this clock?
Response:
7.22
